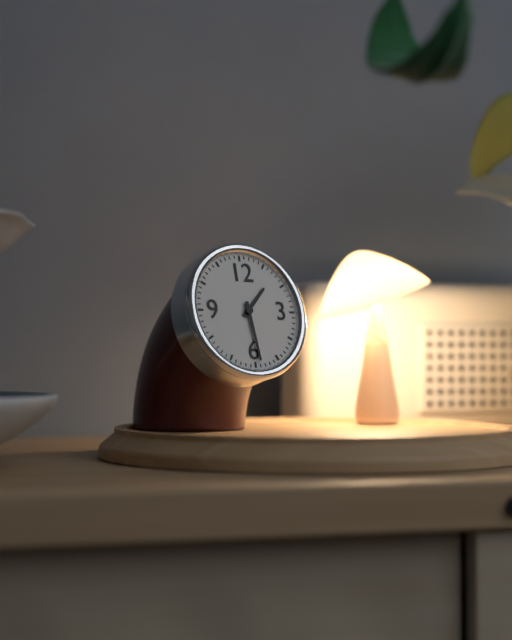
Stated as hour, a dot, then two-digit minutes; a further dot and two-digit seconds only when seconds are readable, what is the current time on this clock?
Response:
1.29
